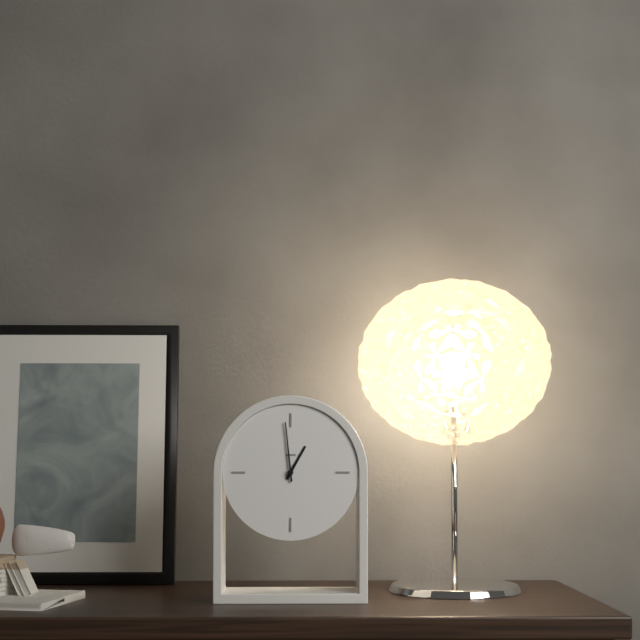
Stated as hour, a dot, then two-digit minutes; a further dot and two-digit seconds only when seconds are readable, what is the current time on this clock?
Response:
12.59
